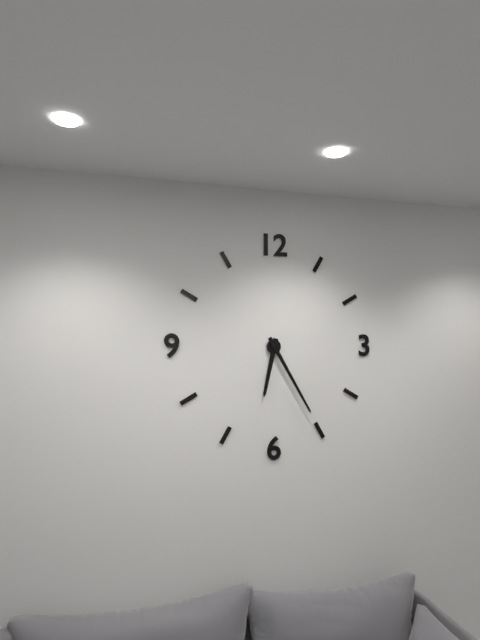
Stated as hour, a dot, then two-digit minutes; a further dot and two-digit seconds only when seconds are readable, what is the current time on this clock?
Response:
6.25
